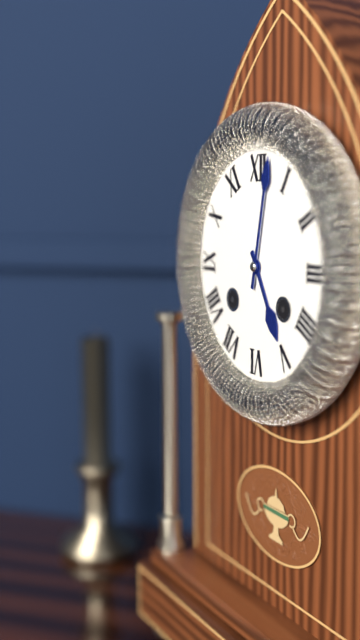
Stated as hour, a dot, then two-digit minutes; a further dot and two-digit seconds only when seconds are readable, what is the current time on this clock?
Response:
5.02
